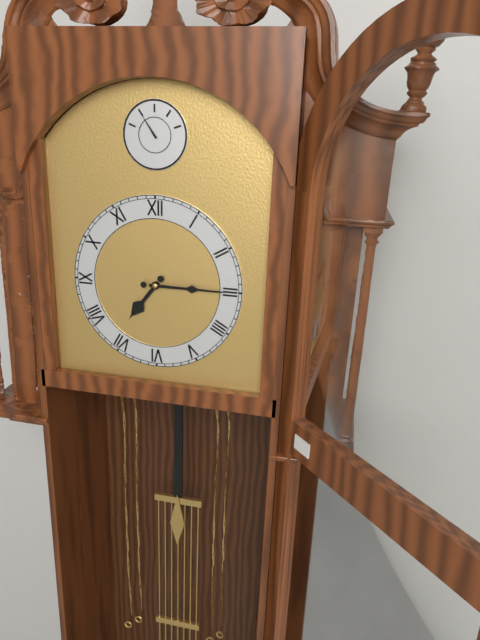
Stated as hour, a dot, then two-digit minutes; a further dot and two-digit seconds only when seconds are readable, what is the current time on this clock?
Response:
7.15
